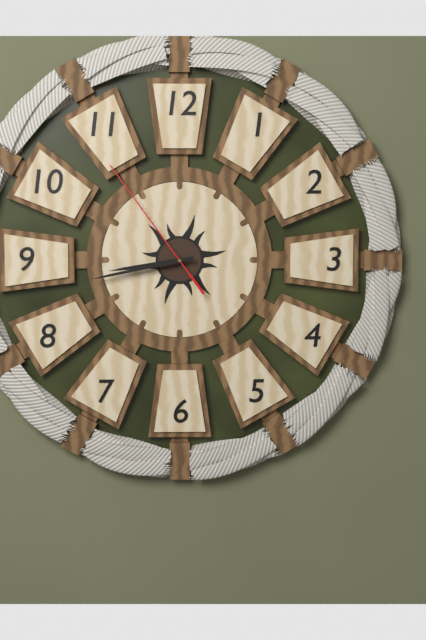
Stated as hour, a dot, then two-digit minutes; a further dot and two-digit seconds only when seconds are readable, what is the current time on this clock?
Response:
8.43.54
